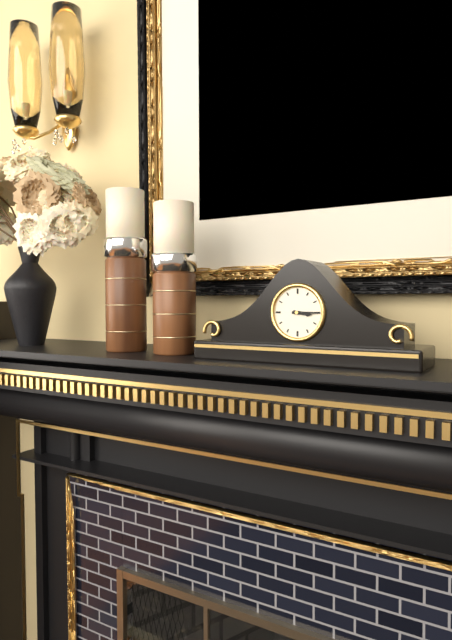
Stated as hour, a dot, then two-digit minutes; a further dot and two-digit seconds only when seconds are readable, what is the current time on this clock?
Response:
3.15
